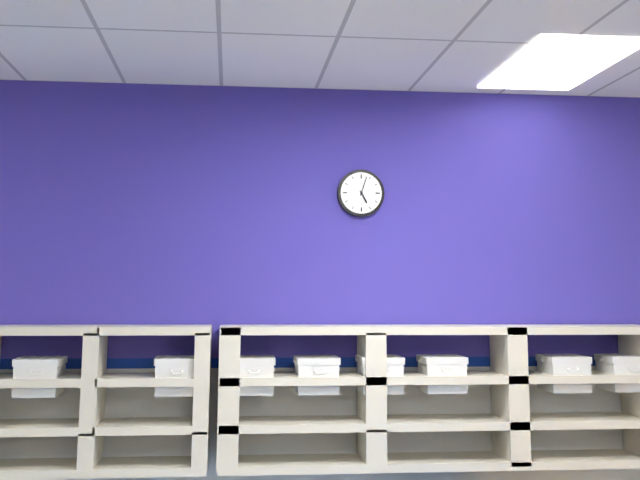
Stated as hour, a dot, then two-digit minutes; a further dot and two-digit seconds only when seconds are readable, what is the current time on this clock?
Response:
5.03
